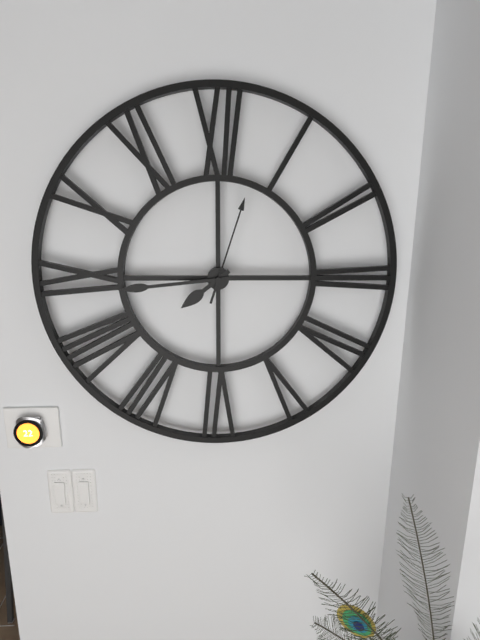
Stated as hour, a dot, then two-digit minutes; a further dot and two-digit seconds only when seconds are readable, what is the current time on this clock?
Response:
7.44.03
